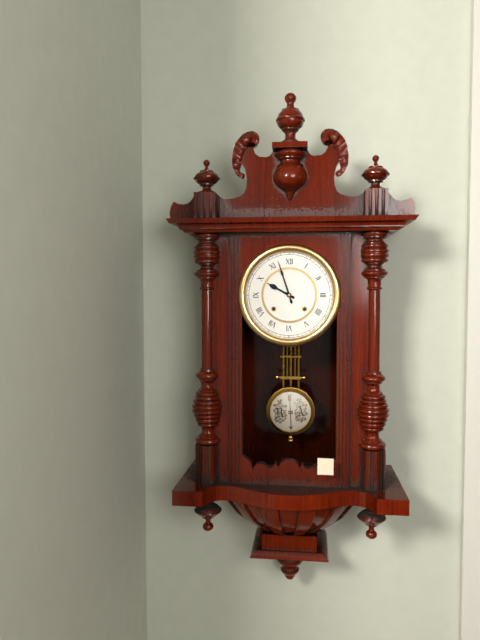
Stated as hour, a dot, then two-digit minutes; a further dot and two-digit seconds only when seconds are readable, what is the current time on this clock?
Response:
9.57
